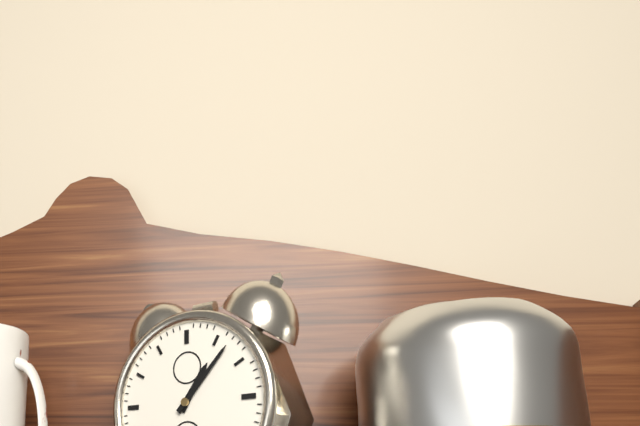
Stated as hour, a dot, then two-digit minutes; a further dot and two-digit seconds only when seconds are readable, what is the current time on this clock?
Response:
1.07
